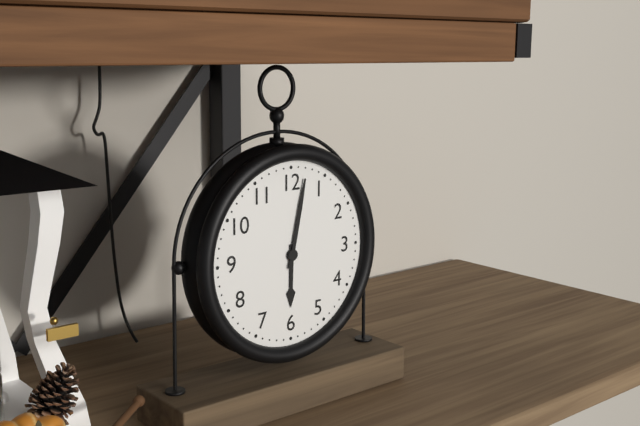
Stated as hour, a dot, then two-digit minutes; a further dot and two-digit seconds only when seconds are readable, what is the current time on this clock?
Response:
6.02
